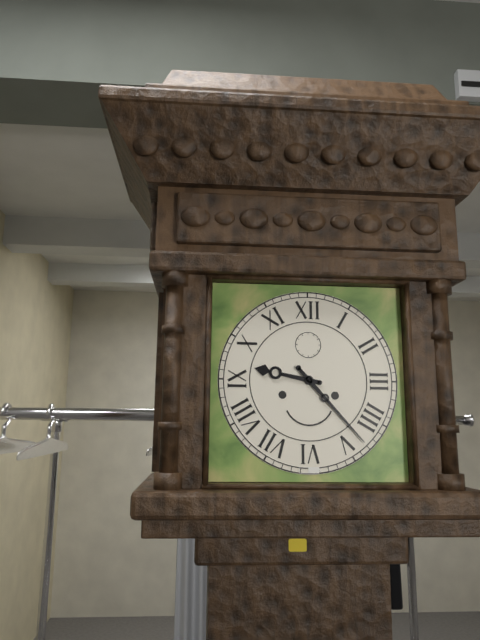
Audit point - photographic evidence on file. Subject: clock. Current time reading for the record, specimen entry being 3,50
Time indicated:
9,23
